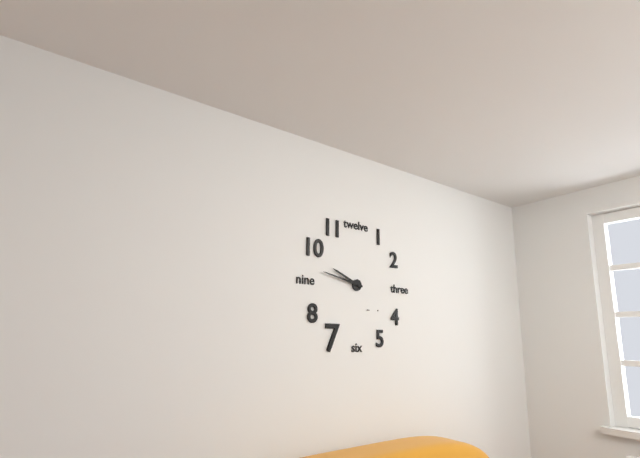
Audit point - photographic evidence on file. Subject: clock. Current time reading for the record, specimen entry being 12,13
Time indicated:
9,47
